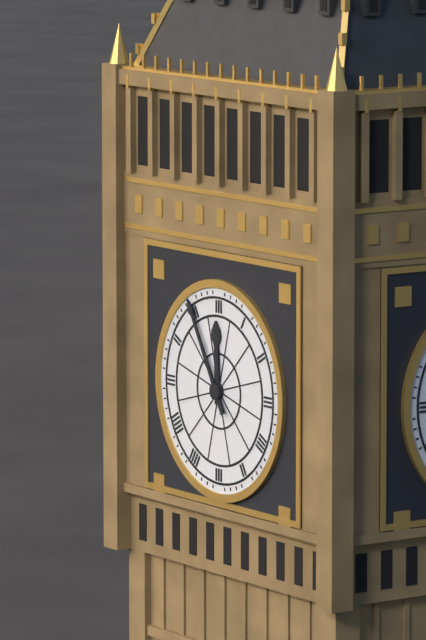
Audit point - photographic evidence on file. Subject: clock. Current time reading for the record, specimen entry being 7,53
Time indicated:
11,55
